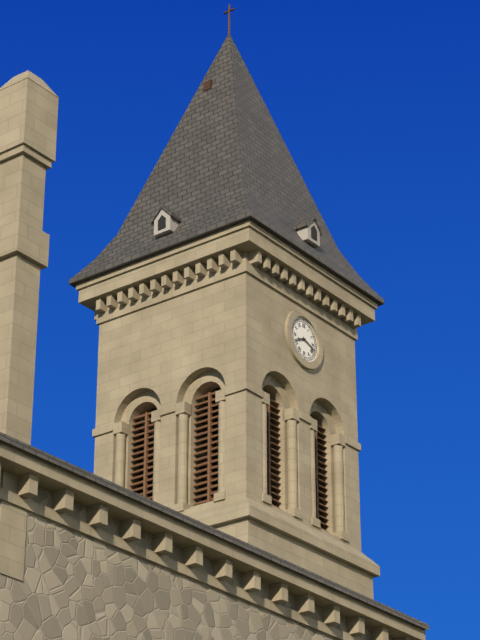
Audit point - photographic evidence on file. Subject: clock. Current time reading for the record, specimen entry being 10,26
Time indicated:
8,18
